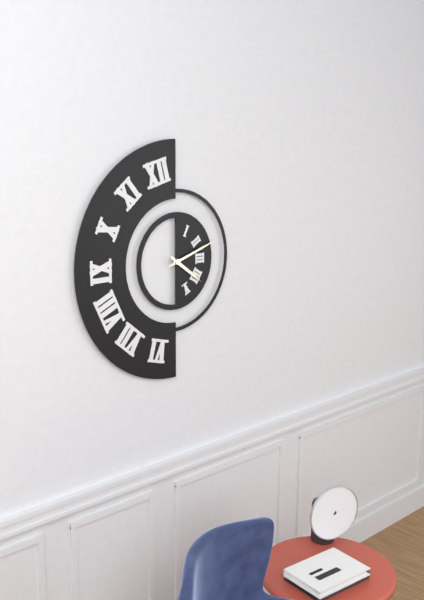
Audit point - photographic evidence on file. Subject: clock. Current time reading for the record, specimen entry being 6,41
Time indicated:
4,12
